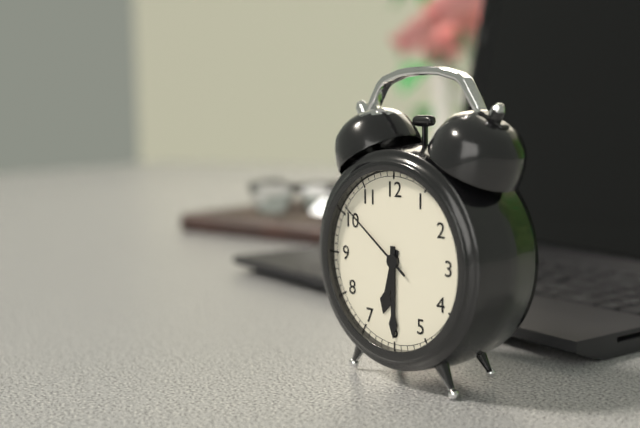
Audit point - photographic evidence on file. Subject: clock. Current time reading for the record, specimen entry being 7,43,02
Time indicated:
6,30,51
